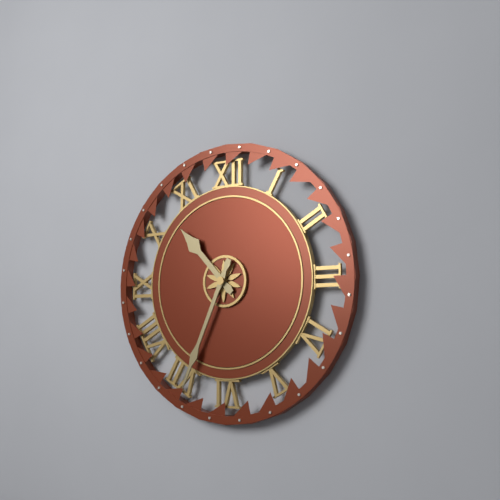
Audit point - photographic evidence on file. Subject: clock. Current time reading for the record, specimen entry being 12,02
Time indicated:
10,34
